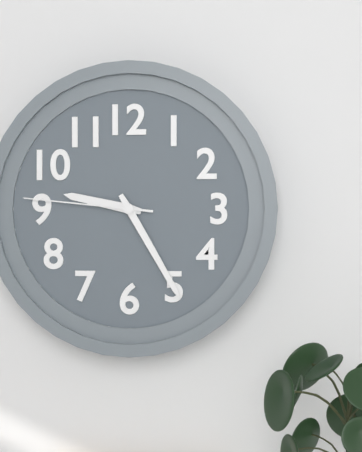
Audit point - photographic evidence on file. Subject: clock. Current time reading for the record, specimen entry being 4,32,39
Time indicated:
9,25,46
